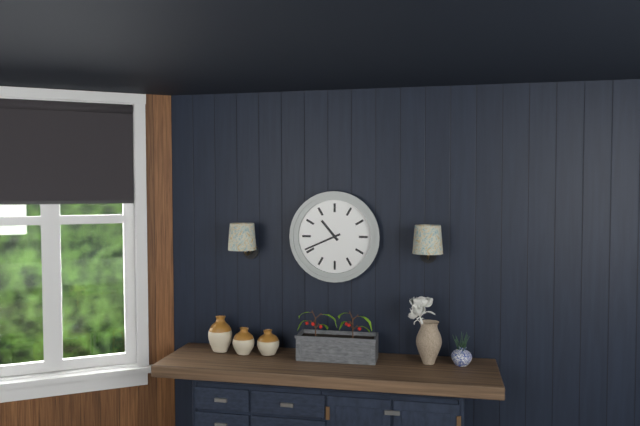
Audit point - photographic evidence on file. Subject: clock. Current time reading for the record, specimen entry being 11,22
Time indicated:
10,41
